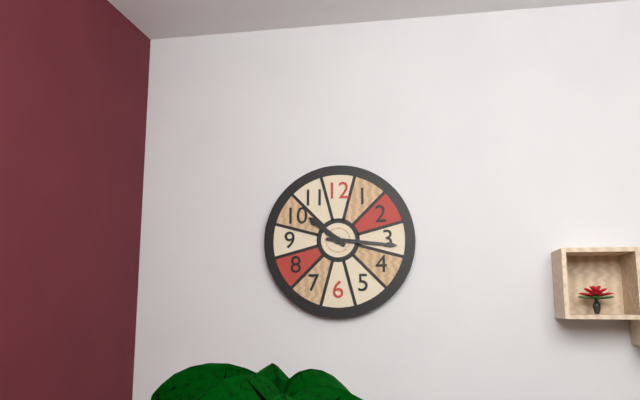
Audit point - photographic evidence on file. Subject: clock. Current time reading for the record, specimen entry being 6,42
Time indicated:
10,16
